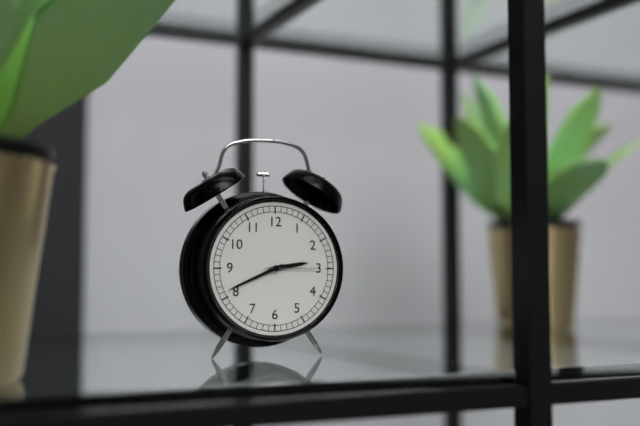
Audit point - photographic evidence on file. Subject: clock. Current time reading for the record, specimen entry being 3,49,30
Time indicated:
2,41,15
